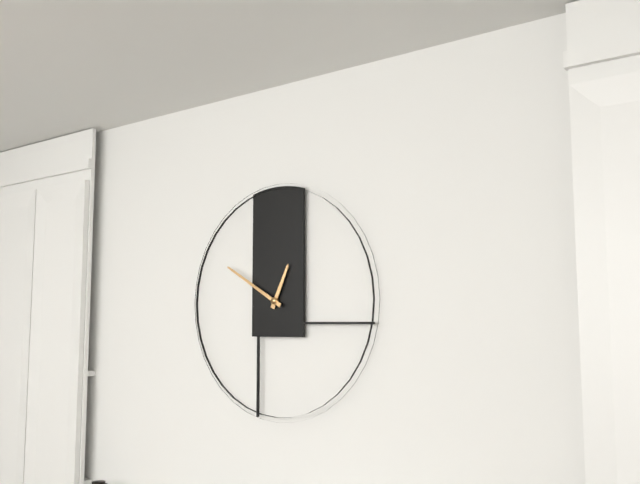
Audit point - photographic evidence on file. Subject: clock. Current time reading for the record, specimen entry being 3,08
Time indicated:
12,50
